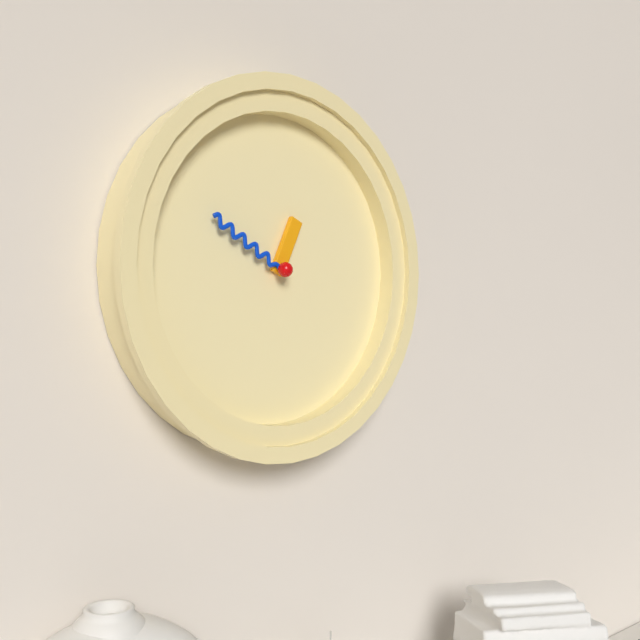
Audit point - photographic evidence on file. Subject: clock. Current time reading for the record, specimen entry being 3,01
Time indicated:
12,50
